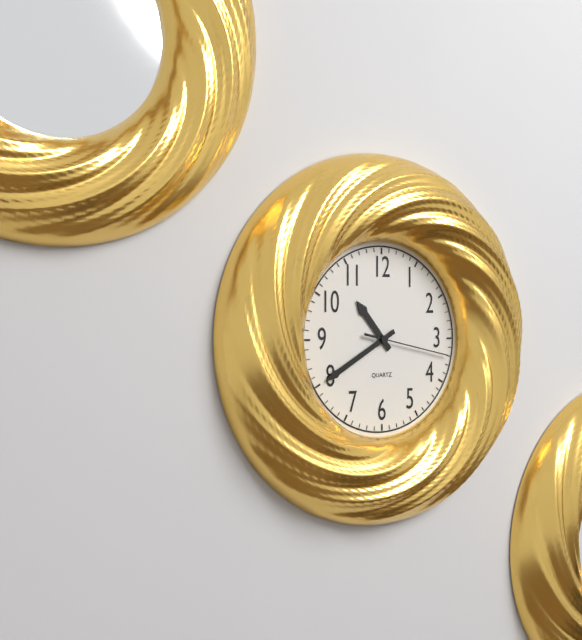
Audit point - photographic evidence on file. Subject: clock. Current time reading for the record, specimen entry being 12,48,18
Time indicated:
10,40,17
